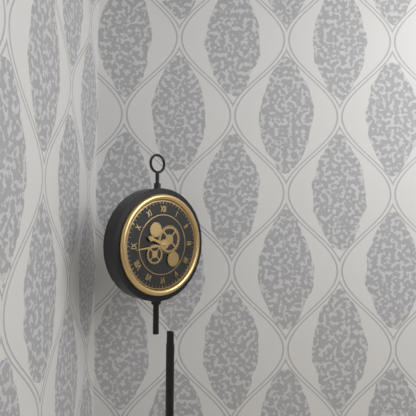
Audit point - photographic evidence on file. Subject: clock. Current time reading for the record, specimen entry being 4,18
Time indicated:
9,44
